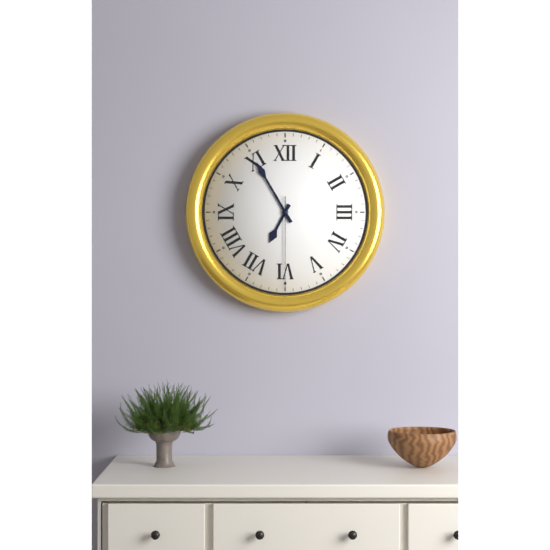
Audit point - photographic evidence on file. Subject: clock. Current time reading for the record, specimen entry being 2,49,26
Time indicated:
6,55,30
